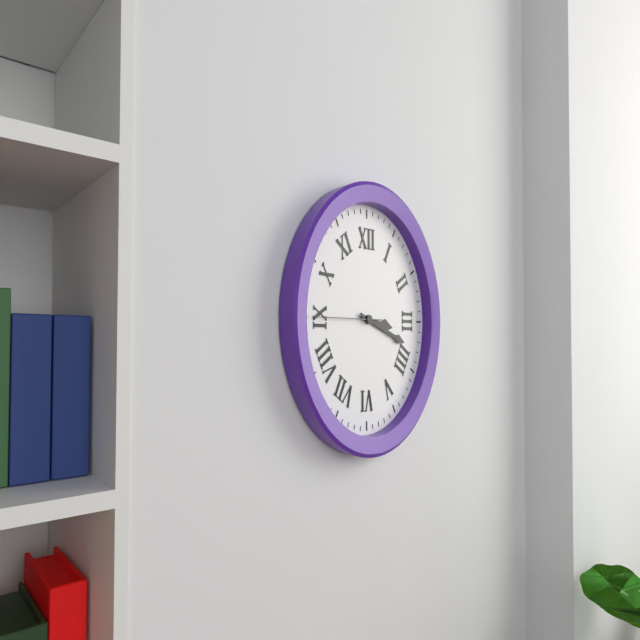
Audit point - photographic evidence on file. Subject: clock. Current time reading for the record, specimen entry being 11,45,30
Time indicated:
3,18,45
